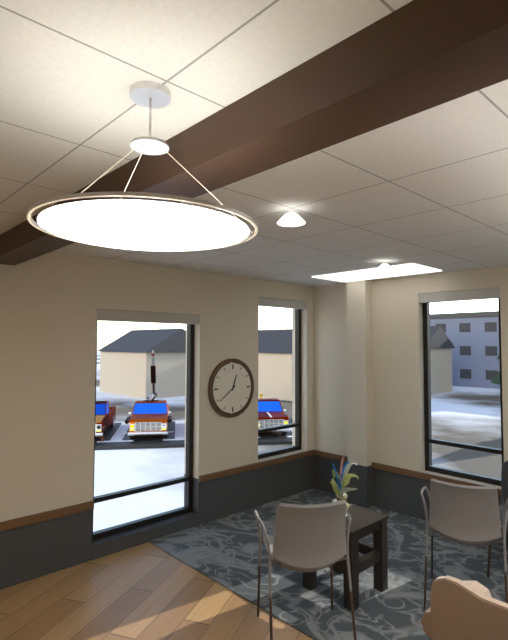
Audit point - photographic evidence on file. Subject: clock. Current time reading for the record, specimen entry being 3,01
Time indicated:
12,39
